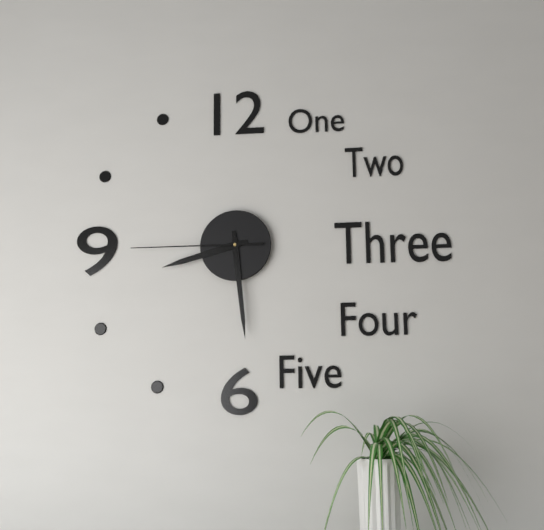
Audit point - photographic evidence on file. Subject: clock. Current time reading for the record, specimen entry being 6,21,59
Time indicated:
8,29,45
